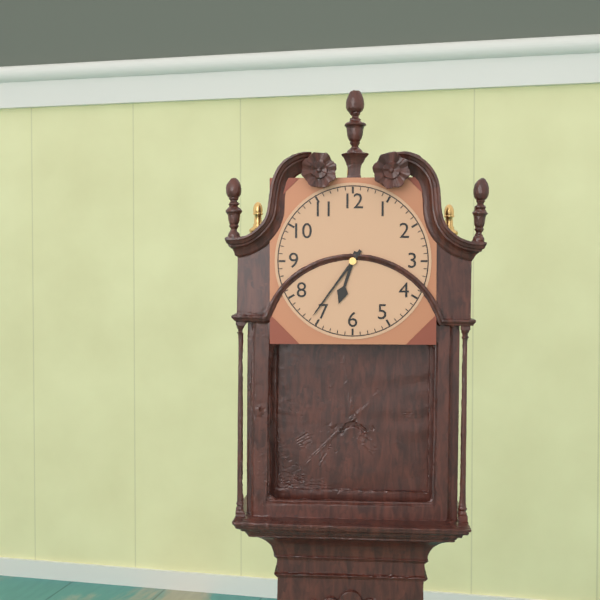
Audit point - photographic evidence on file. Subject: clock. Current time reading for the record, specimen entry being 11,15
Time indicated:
6,36
